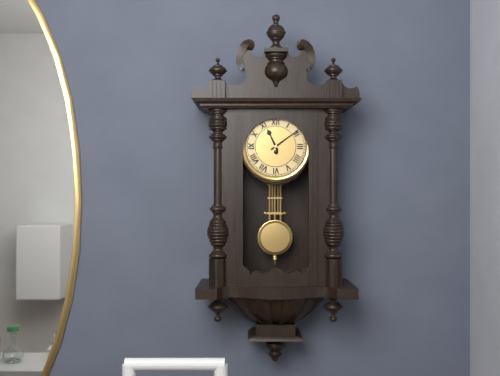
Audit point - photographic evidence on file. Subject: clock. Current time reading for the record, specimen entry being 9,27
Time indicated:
11,09
